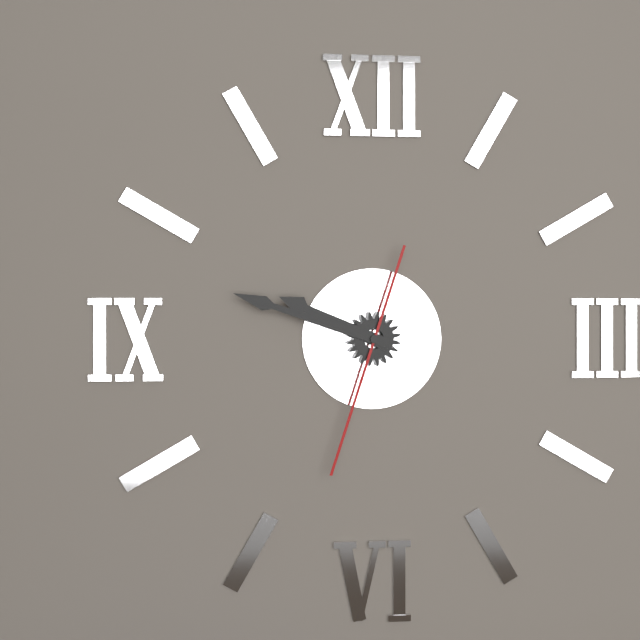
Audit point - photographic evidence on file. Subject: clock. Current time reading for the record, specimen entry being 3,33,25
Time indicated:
9,48,33
